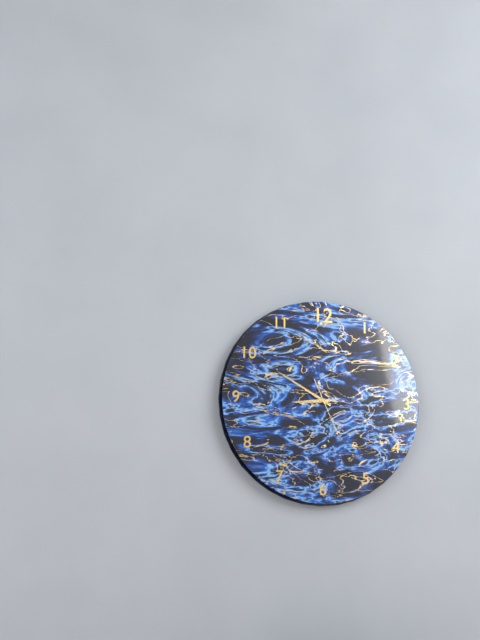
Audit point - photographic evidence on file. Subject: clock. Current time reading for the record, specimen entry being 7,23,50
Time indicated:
8,50,26
